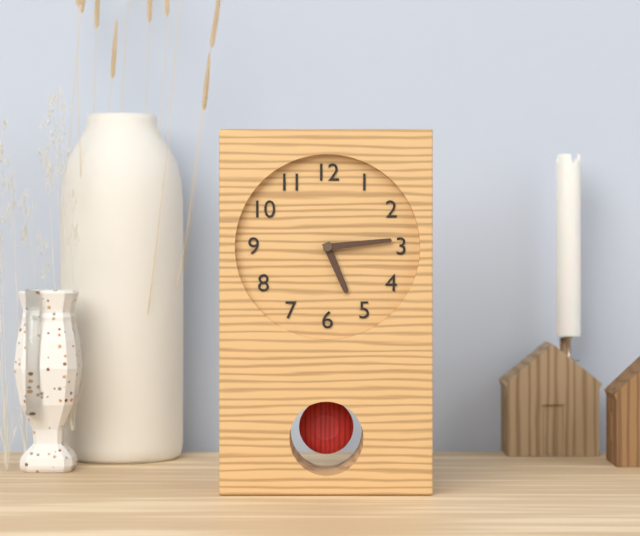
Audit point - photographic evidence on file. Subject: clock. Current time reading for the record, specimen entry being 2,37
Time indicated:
5,14
